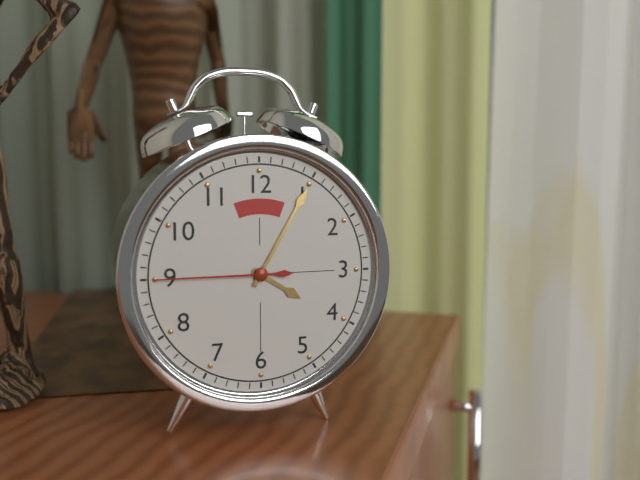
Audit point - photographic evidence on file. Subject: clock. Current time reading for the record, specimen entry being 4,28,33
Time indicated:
4,05,45
